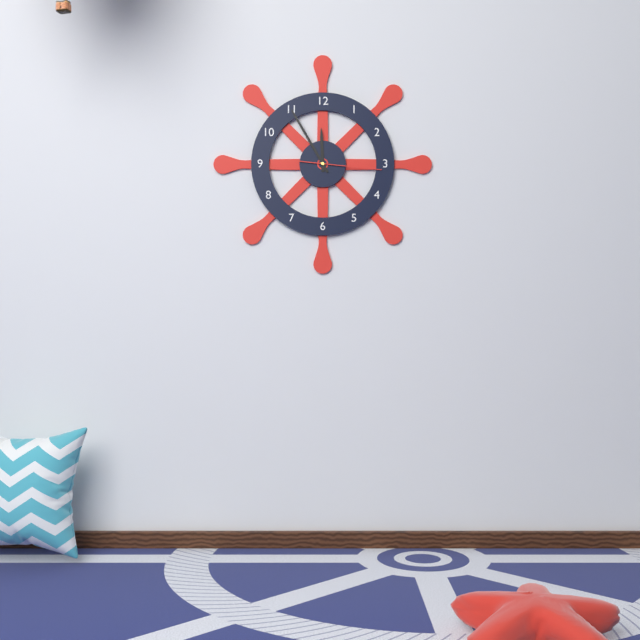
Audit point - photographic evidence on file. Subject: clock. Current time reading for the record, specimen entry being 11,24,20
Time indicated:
11,55,16
